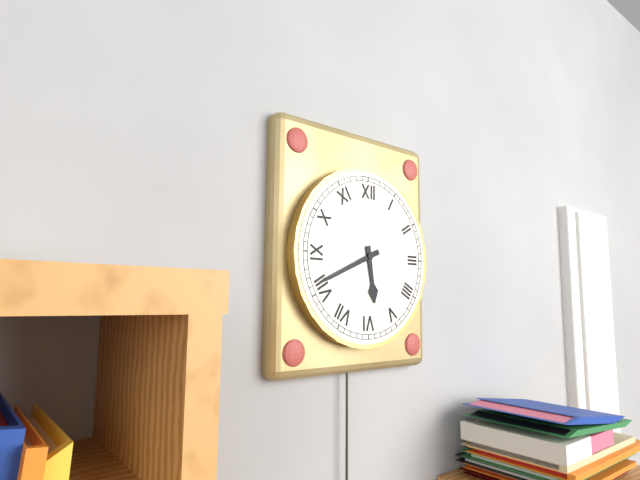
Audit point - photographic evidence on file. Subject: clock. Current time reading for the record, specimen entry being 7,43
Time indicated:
5,41
